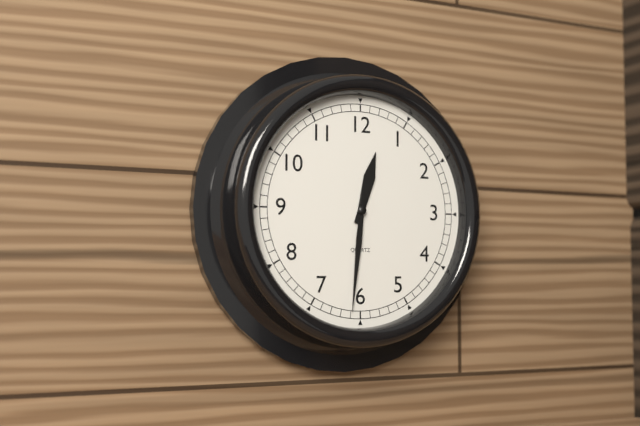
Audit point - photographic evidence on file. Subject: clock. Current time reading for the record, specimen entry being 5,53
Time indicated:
12,31
